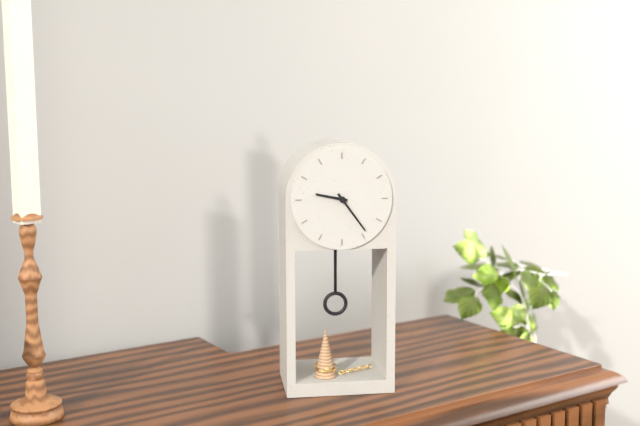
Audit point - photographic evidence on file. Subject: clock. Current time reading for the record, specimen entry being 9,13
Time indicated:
9,24
